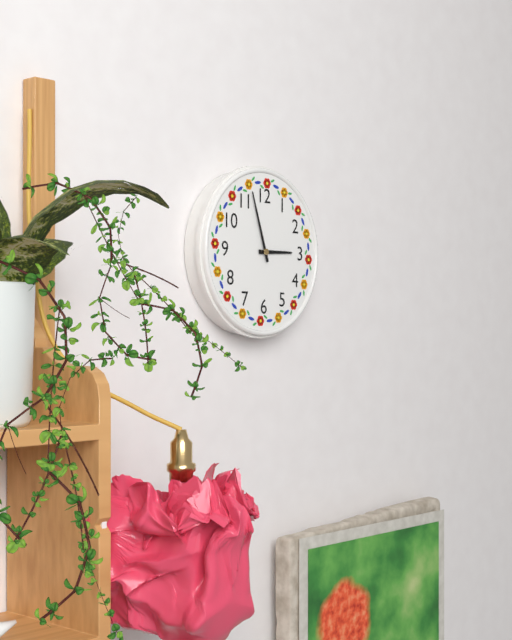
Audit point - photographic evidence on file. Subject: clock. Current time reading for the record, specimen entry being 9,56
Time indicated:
2,57
